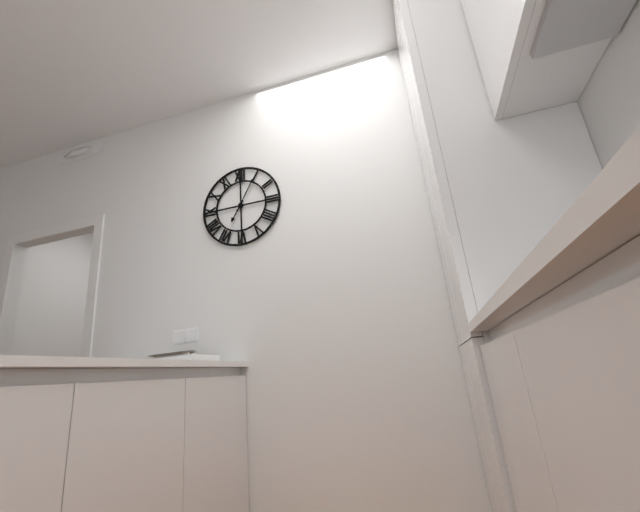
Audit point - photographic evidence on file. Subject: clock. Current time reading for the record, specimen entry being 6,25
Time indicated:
7,05
